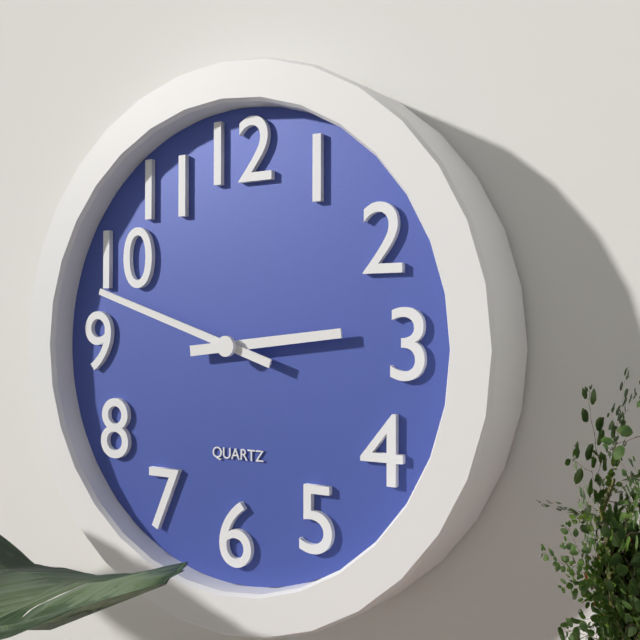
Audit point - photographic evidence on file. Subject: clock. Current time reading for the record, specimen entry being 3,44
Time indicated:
2,48
